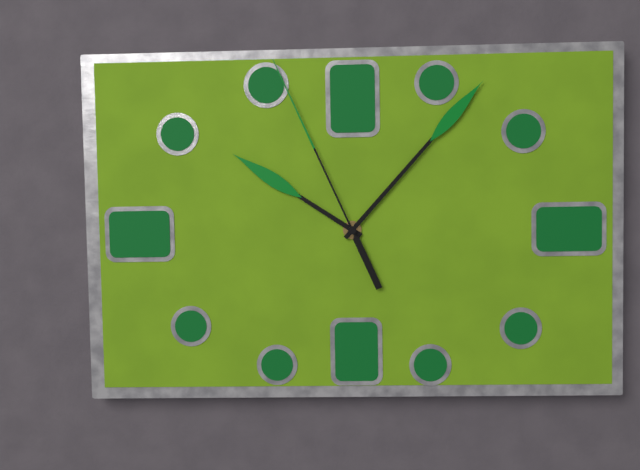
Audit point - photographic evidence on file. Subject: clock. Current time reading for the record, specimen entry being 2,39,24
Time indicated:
10,07,56
